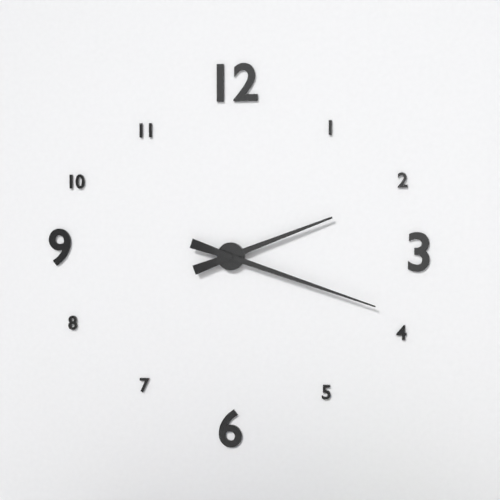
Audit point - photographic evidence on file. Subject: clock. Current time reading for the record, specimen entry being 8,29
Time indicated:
2,18
